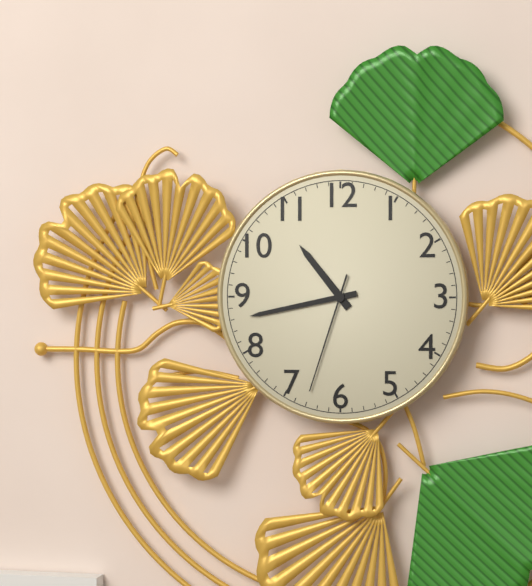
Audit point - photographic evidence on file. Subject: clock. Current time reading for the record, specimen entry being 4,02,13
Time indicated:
10,43,33
